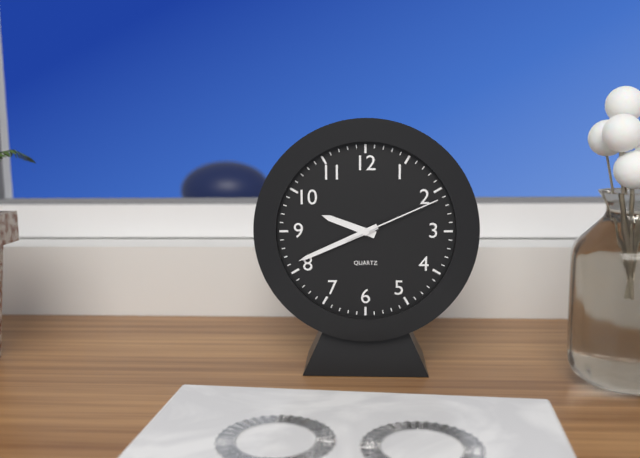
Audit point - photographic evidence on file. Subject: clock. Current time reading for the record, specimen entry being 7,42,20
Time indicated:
9,41,11
